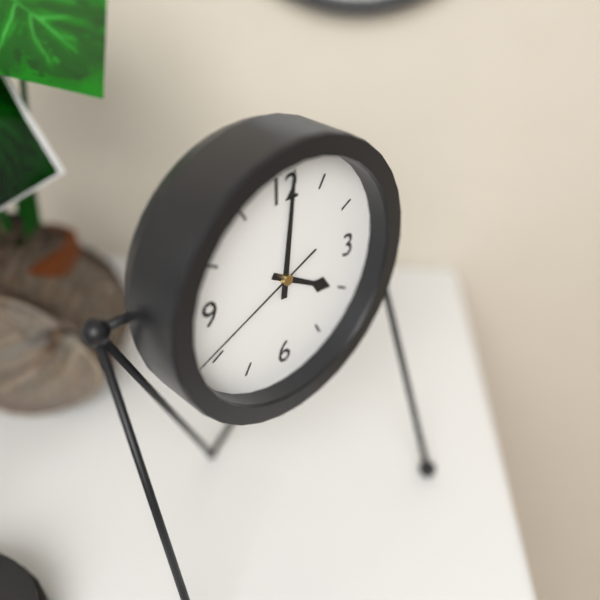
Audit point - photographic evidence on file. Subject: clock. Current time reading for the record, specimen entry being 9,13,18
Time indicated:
4,01,41
